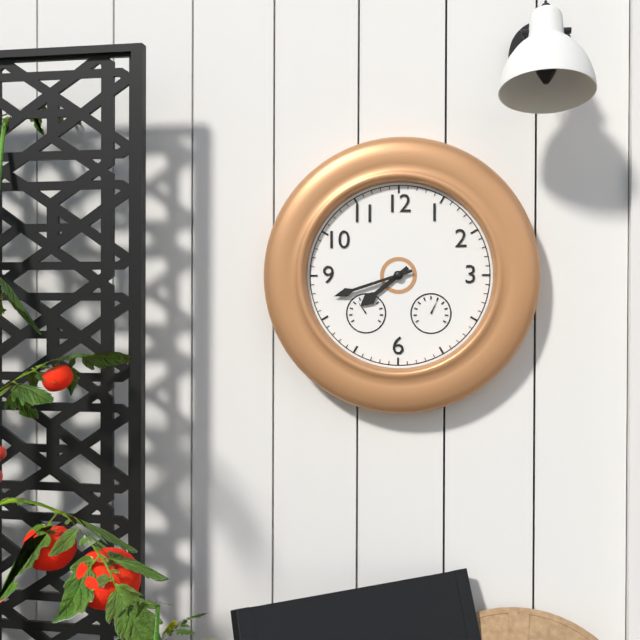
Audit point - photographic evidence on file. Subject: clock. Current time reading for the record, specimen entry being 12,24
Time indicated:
7,42
